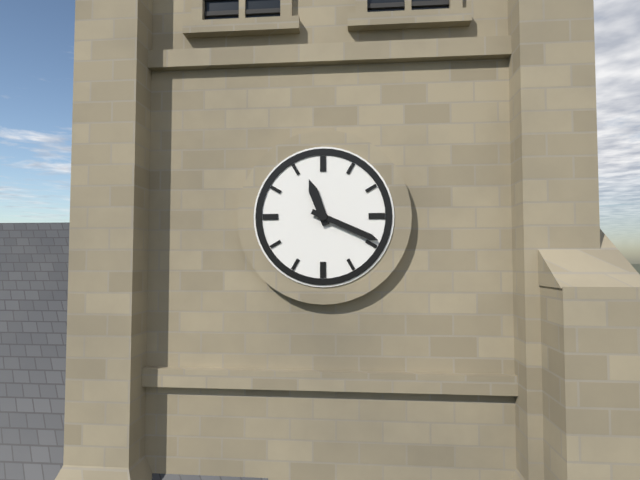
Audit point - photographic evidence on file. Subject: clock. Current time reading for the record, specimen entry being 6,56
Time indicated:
11,19
